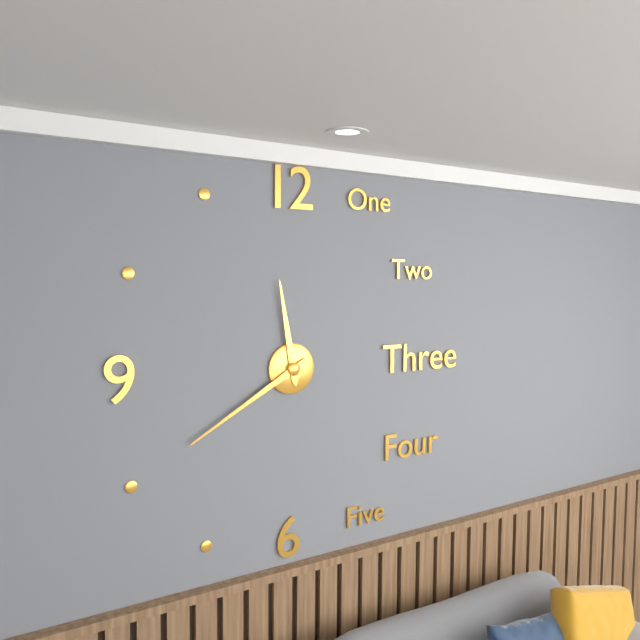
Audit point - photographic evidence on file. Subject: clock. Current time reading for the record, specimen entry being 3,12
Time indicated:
11,40
